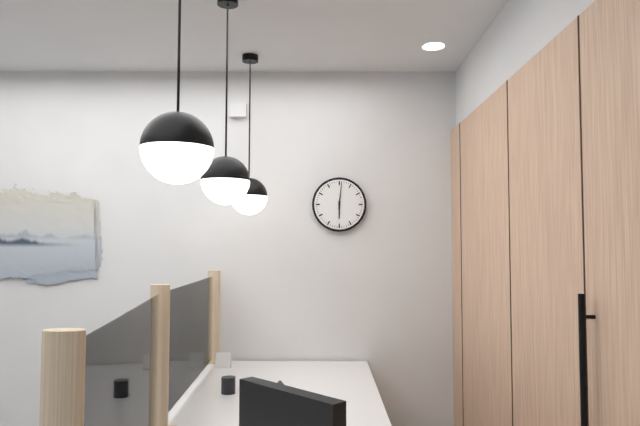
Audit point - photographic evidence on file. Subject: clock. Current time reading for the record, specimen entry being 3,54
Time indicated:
6,01
